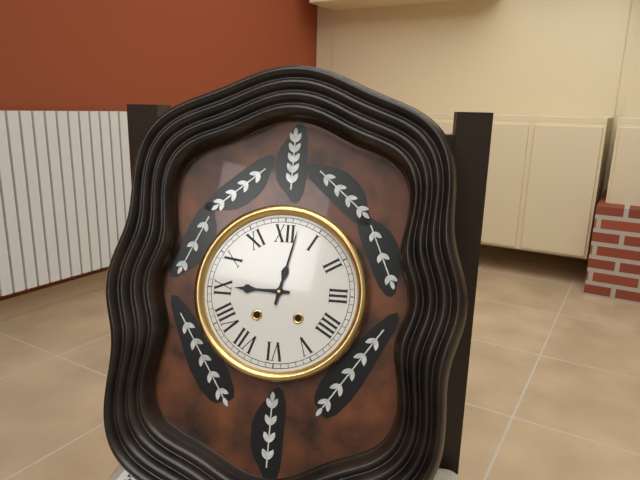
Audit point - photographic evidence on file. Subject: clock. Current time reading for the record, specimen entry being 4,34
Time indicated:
9,02
